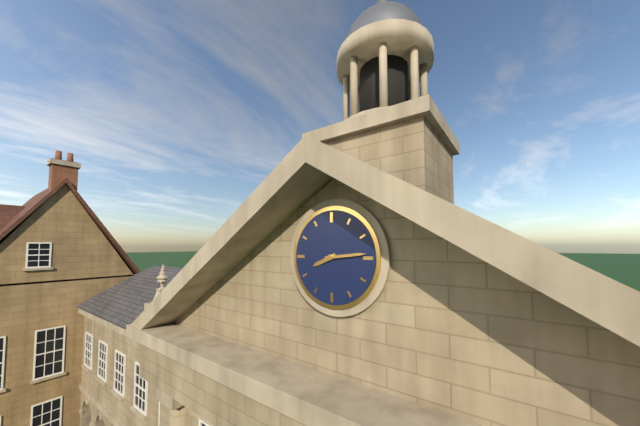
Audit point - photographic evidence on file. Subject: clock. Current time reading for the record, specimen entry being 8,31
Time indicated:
8,14
